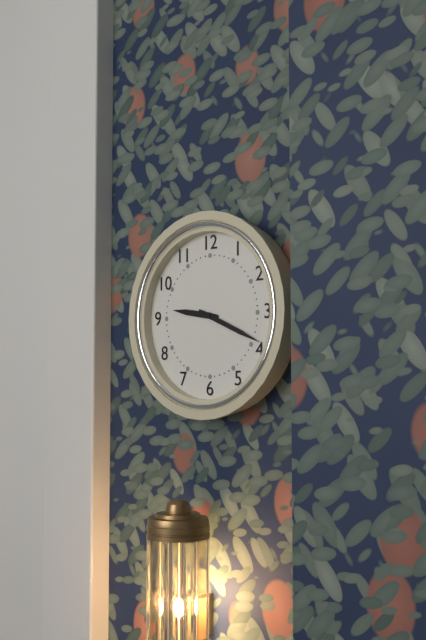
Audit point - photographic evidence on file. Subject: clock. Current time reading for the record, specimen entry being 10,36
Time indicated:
9,19
